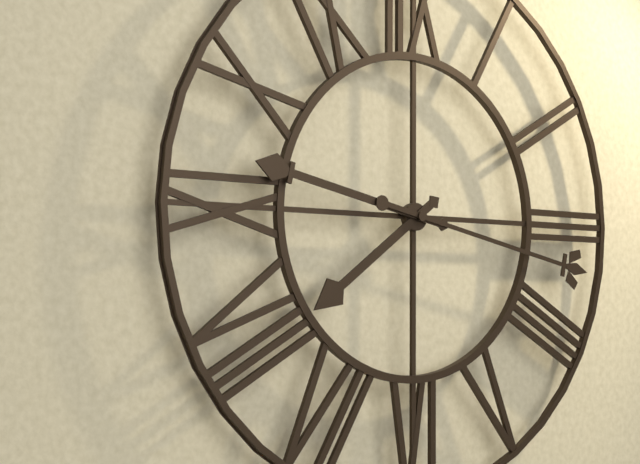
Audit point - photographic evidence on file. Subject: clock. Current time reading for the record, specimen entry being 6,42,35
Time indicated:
7,47,17
